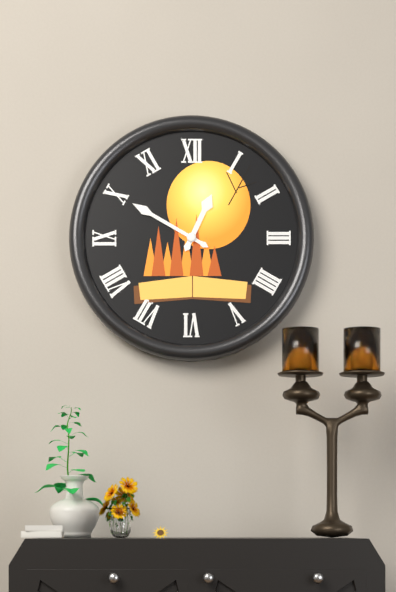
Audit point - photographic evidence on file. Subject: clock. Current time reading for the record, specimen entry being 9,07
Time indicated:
12,50
